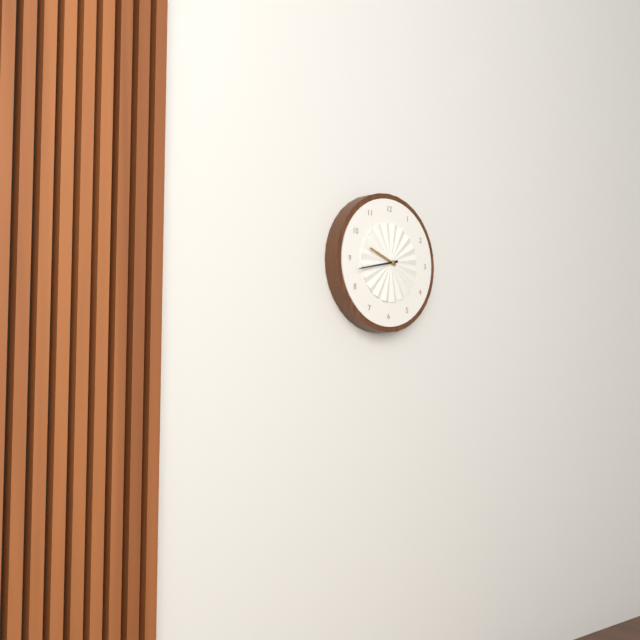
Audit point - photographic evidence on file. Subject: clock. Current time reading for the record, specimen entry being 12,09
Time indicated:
9,43
